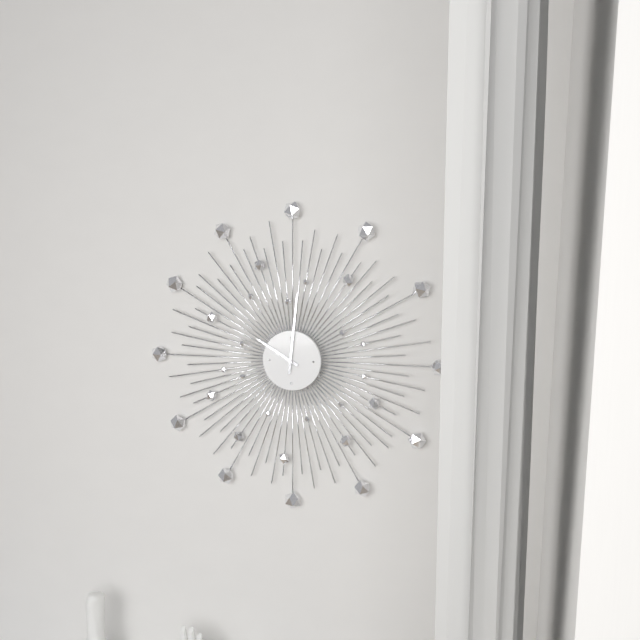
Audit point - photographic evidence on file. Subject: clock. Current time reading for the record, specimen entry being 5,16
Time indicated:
10,01
